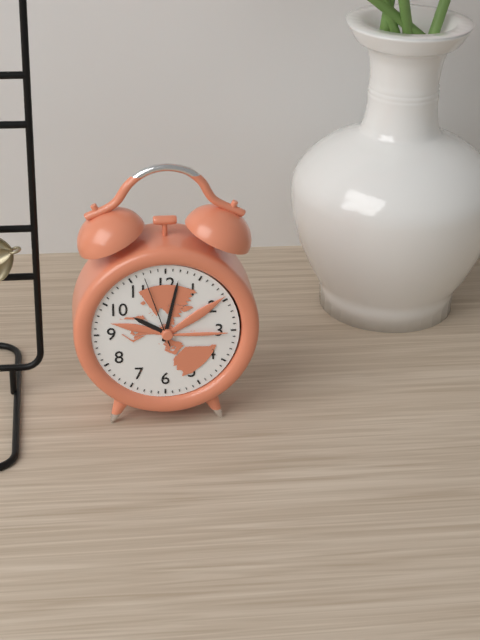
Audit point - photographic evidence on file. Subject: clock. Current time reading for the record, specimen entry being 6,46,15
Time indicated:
10,02,57
